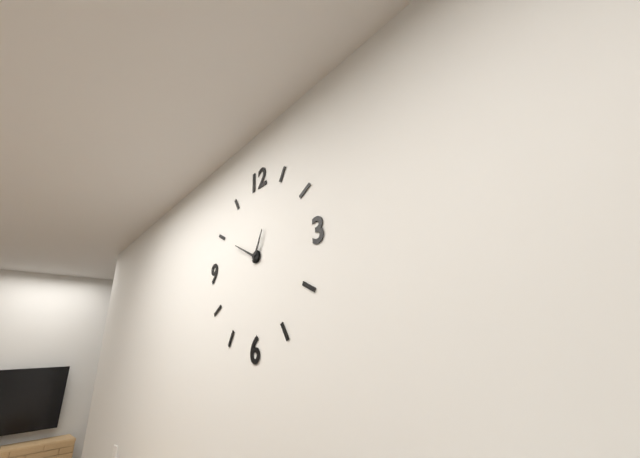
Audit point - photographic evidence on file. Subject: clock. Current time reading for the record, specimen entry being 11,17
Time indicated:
12,50
